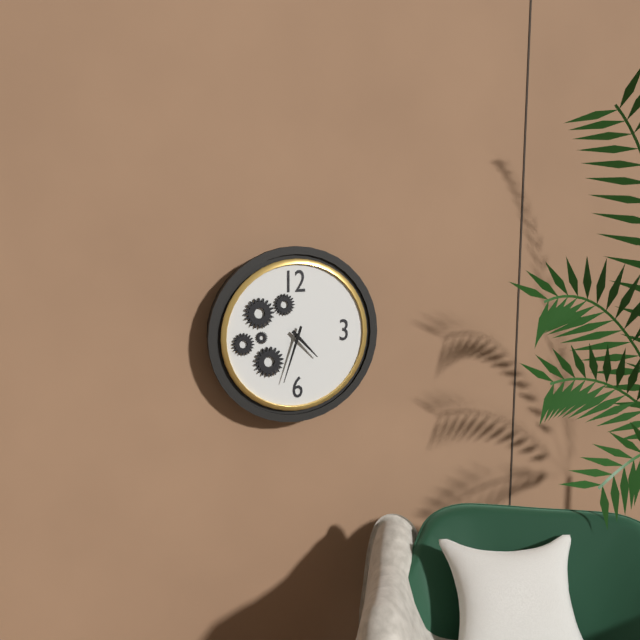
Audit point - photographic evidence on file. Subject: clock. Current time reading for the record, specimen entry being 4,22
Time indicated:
4,33
